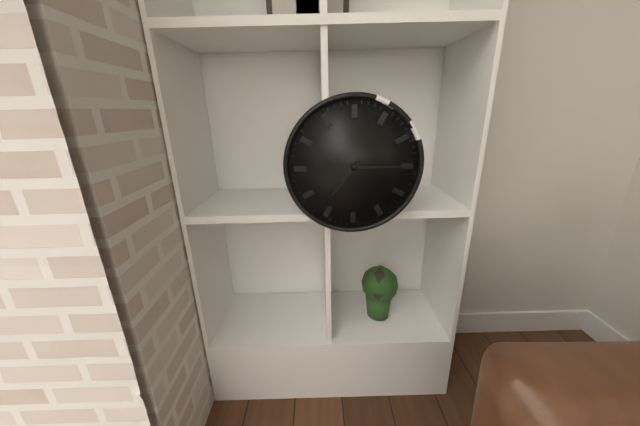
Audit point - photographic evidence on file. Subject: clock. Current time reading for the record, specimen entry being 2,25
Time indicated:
7,15
